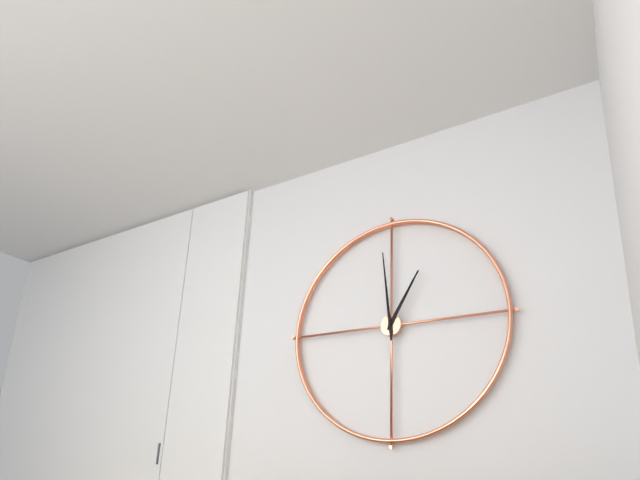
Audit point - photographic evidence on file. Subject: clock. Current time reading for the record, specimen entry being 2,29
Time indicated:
12,59
